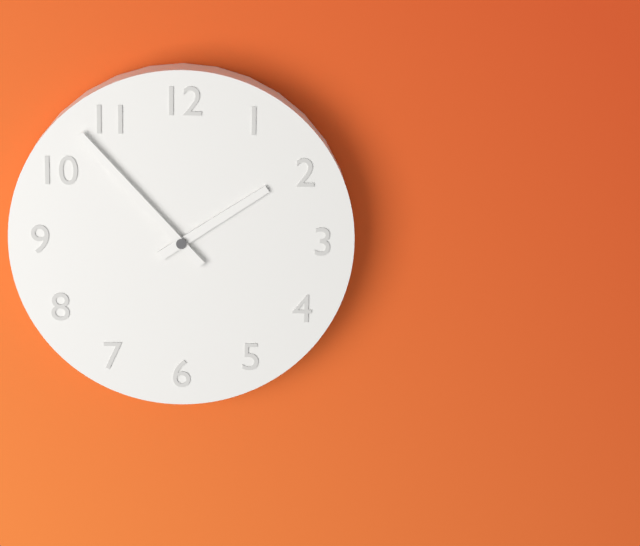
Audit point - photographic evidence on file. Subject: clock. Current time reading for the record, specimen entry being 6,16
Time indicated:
1,53
